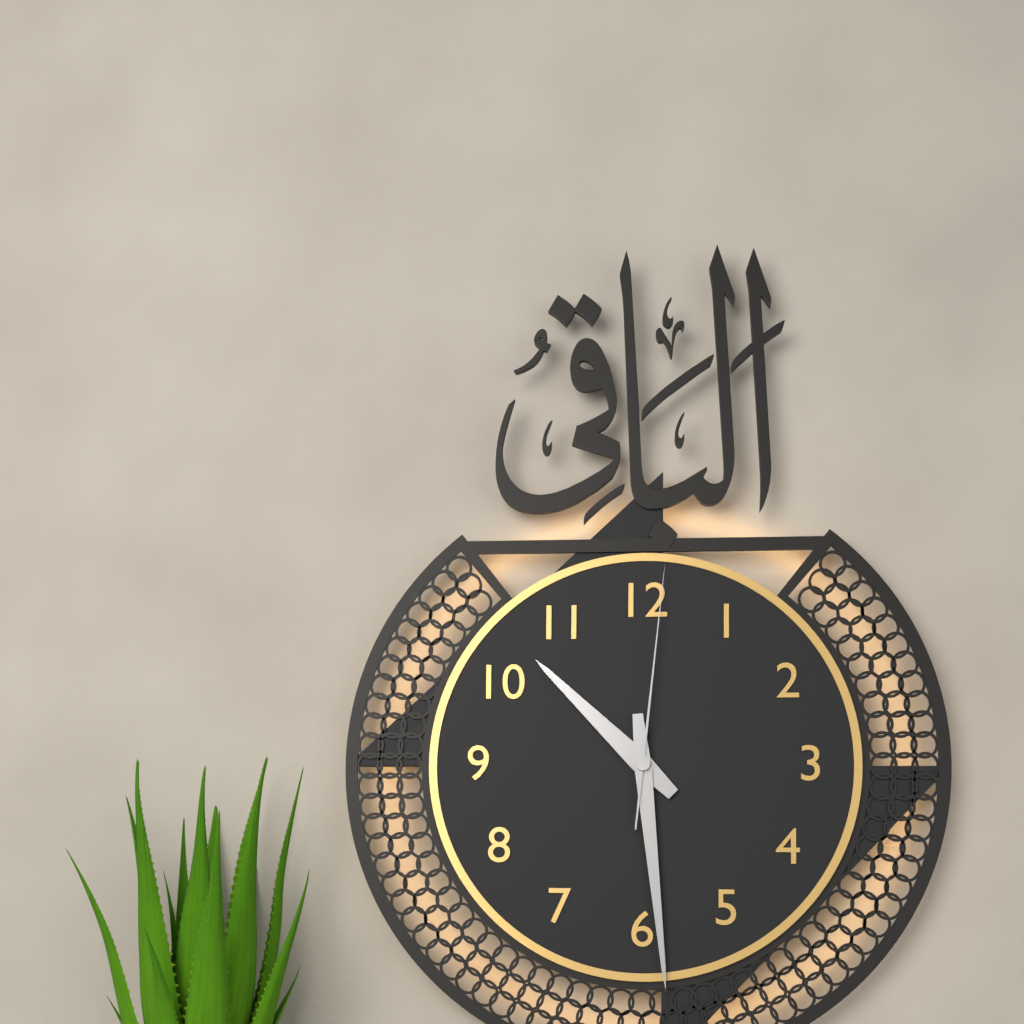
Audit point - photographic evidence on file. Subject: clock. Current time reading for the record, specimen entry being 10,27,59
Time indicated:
10,29,01
